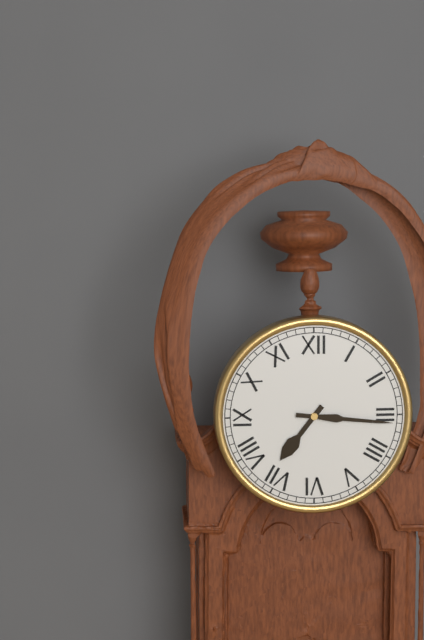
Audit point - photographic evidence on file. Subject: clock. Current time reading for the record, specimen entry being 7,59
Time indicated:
7,16
